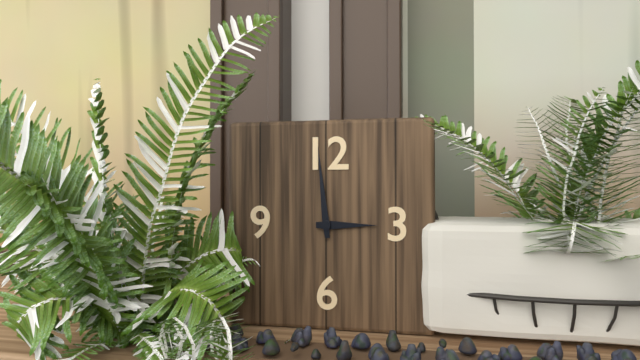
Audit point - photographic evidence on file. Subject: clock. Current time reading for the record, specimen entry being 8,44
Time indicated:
2,59
